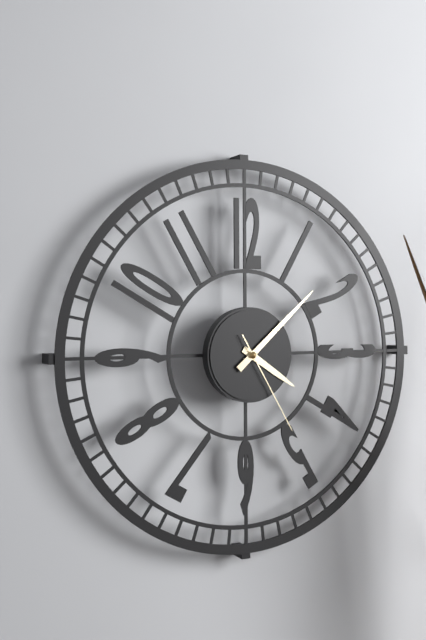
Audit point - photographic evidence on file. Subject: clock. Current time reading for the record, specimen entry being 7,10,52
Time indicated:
4,08,25
